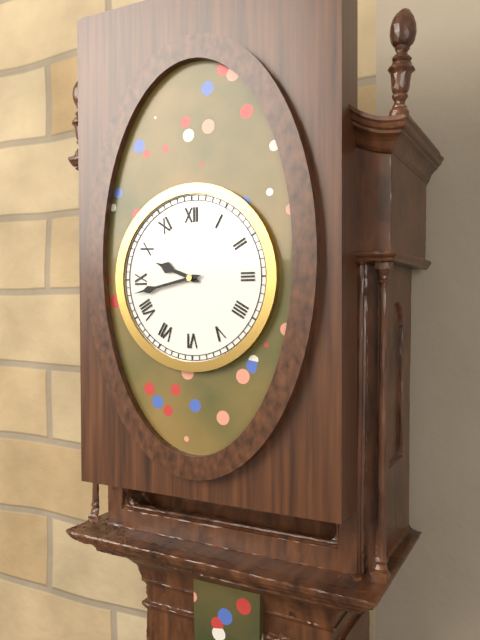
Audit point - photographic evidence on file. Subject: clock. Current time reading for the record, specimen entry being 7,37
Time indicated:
9,43
